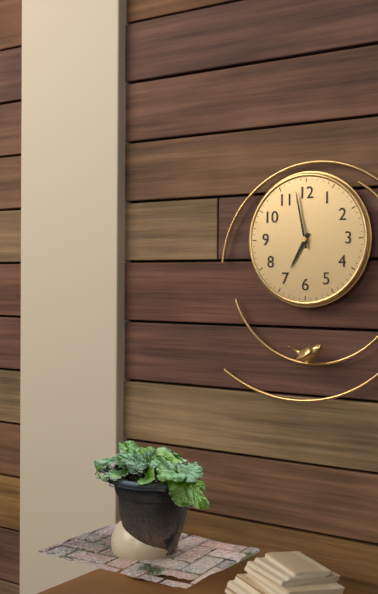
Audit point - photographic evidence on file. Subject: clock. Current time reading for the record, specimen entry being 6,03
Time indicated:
6,58
